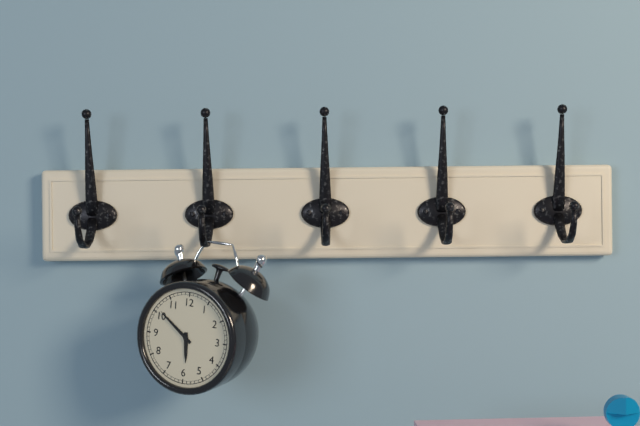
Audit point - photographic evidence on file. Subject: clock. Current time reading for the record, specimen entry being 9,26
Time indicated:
5,51
